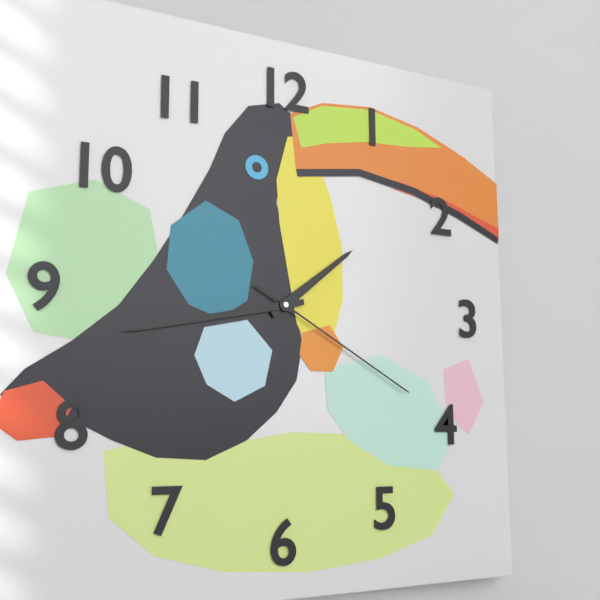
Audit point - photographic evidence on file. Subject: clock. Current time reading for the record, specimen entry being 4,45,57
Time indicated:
1,43,20
